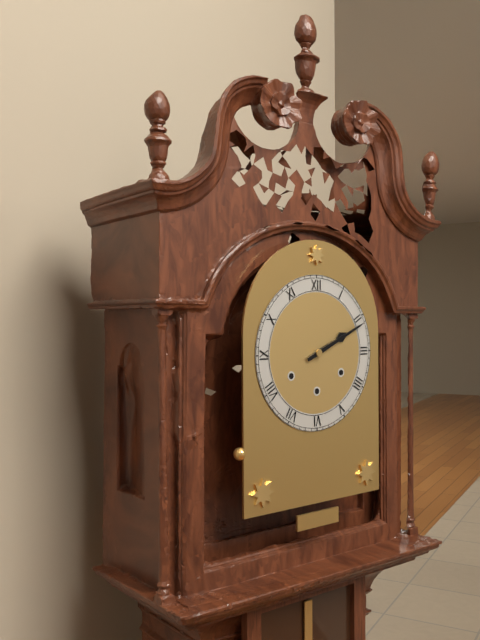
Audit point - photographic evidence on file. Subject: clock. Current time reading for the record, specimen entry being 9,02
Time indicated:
2,11
